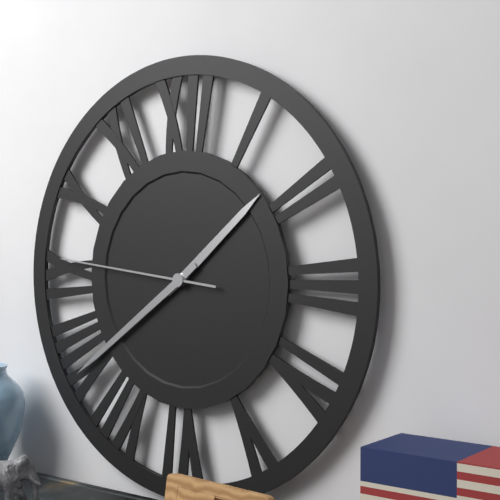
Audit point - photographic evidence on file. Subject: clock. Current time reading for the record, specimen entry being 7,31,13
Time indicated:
1,39,46
